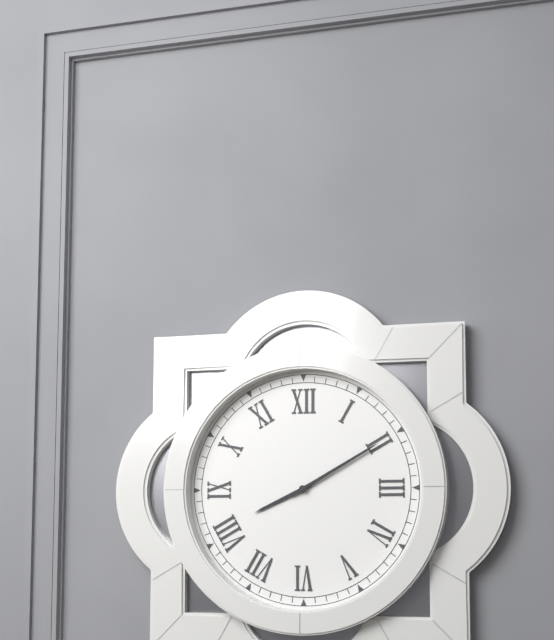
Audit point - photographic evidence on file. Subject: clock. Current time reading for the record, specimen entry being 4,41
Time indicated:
8,10
